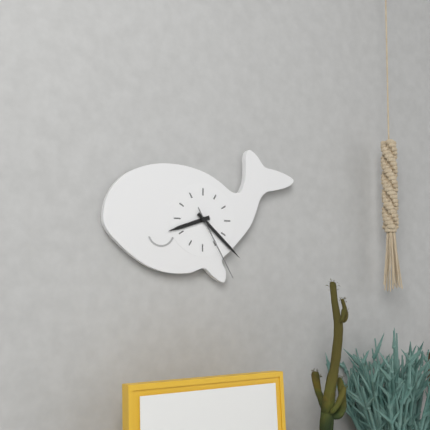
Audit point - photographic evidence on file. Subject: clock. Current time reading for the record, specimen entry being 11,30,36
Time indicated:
8,22,25
